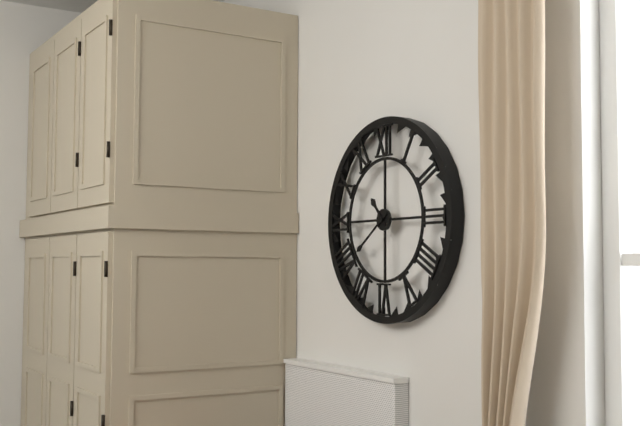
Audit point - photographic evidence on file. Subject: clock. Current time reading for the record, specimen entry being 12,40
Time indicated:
10,39
